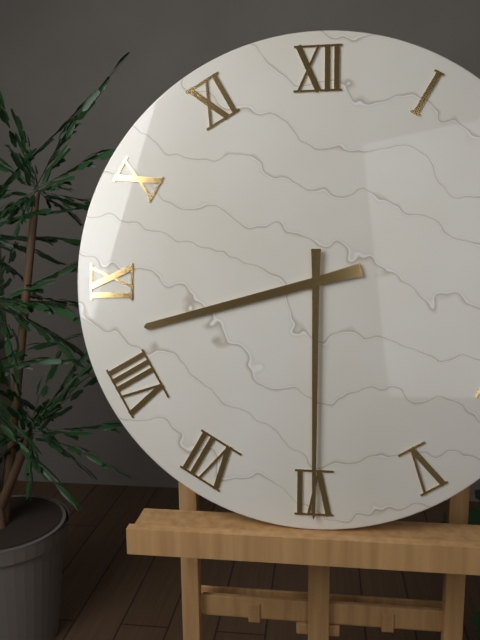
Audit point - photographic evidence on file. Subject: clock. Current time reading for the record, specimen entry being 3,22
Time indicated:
8,30
